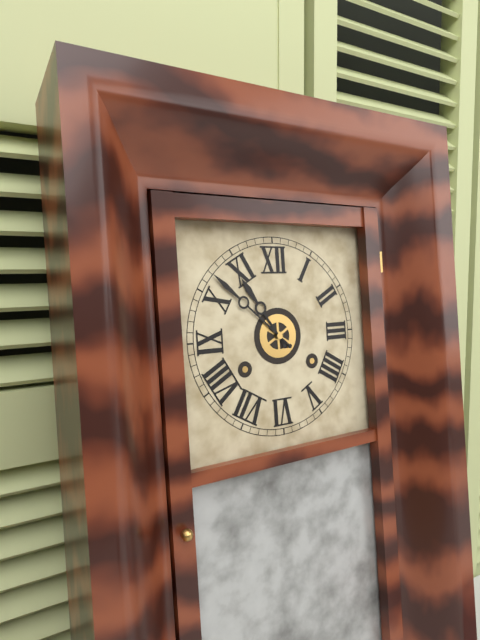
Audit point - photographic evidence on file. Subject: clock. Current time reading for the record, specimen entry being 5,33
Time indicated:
10,52
